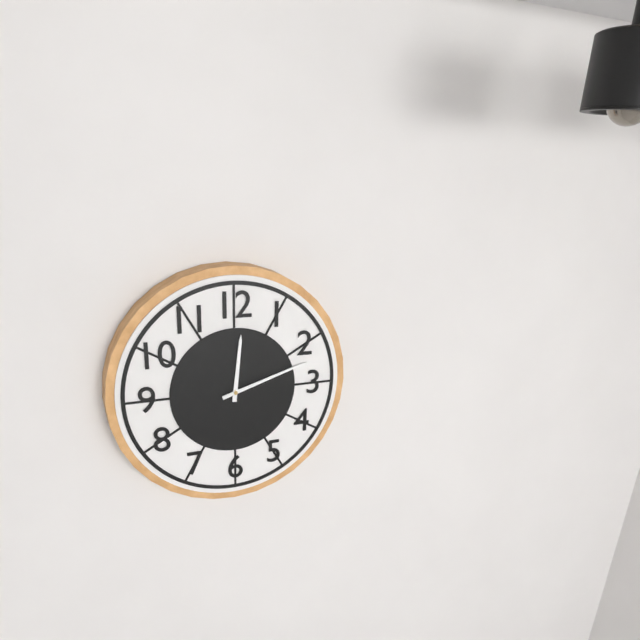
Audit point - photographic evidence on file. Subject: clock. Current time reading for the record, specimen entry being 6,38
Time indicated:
12,12
